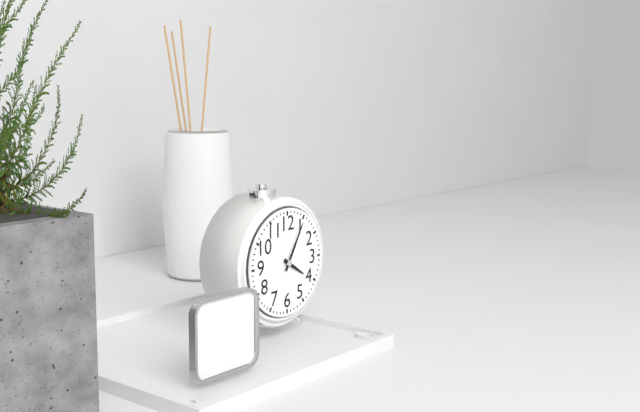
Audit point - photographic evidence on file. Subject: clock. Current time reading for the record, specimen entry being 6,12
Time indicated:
4,05
